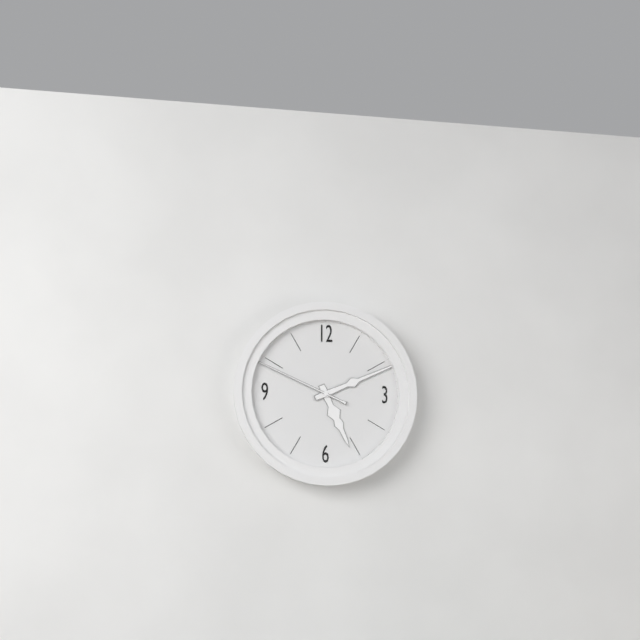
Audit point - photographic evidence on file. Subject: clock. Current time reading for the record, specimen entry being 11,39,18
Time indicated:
5,11,49
